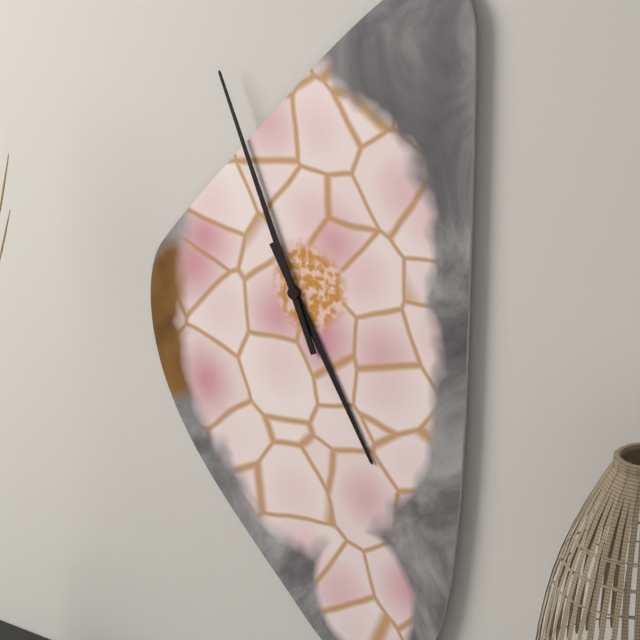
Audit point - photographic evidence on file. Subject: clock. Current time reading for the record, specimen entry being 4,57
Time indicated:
4,56
